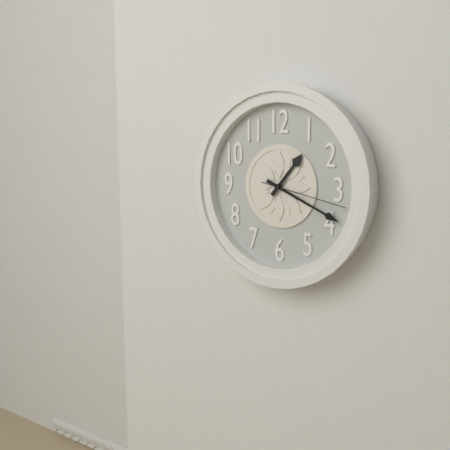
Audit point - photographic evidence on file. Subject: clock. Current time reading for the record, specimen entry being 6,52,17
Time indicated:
1,19,17
